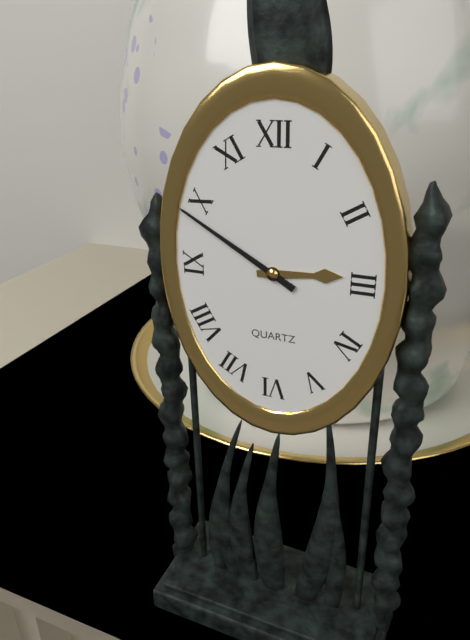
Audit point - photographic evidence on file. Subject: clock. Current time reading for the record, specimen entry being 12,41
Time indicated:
2,50
